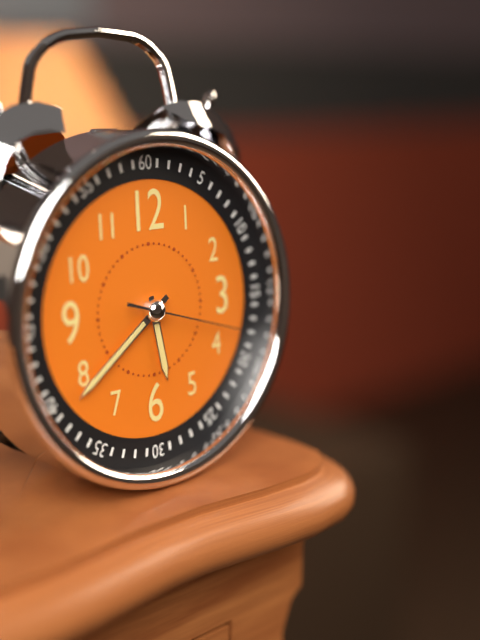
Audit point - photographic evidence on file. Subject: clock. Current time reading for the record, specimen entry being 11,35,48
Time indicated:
5,39,18
